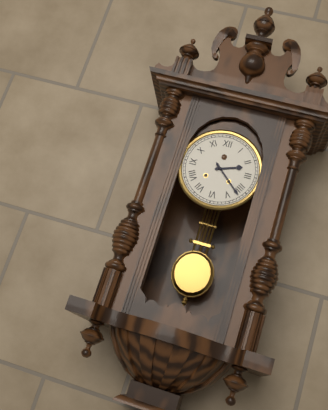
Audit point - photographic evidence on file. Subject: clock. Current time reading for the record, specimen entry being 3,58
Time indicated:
2,22
